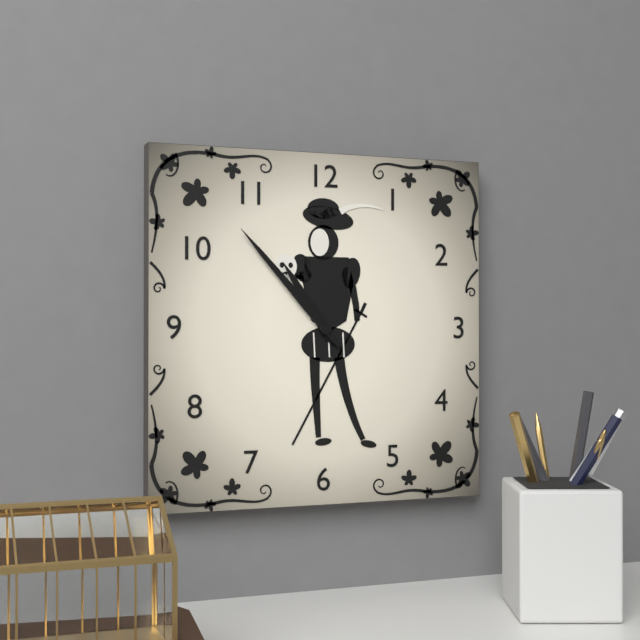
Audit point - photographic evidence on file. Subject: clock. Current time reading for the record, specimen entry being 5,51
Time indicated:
10,53
